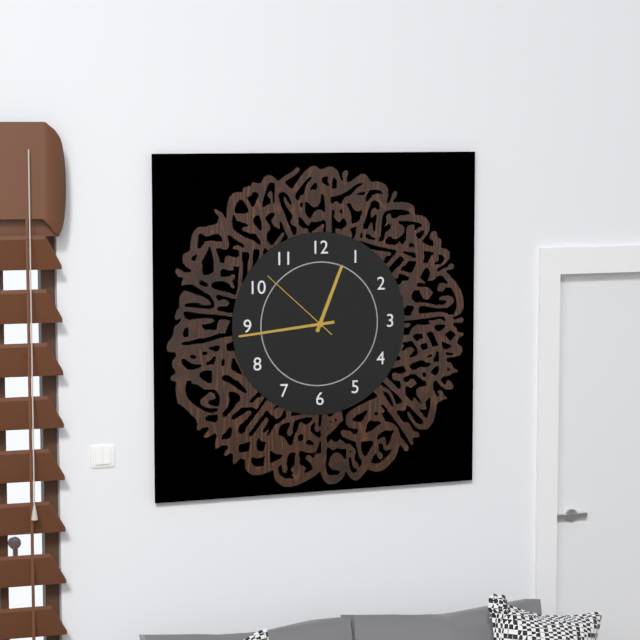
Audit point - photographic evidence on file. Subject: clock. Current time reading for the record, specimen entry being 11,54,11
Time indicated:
12,44,52
